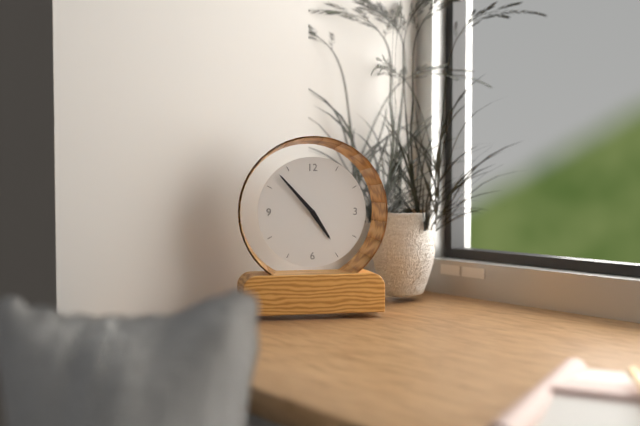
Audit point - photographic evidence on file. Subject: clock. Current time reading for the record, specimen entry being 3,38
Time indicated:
4,53
